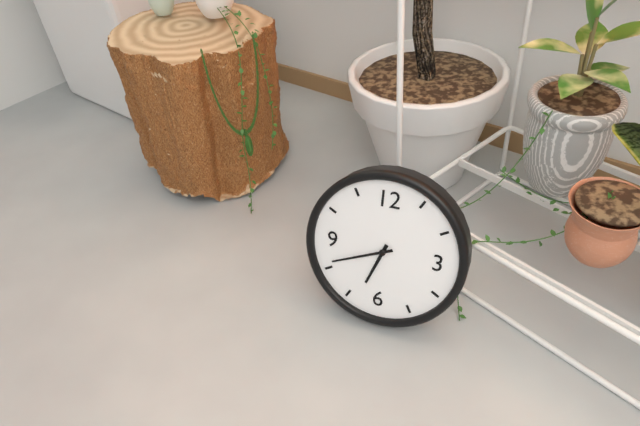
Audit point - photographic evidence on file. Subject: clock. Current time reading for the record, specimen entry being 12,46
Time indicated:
6,41
